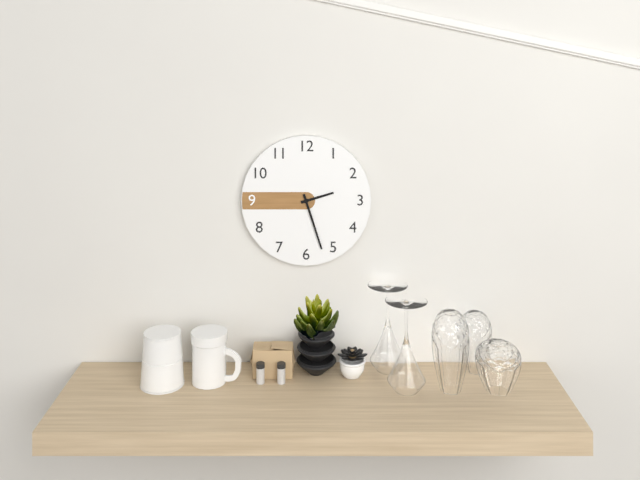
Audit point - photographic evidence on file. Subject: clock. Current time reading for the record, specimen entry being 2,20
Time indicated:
2,27
